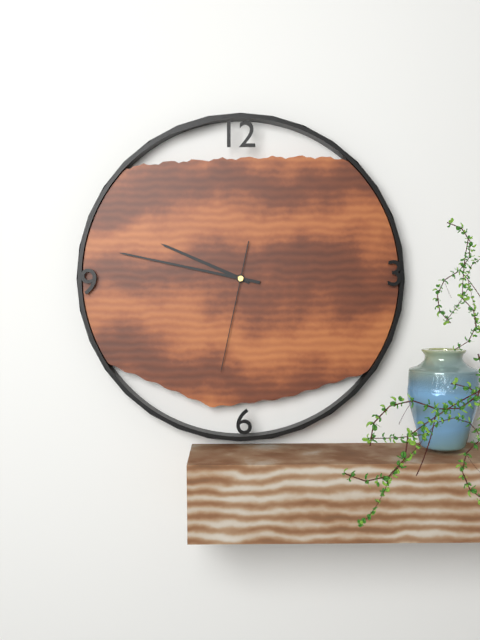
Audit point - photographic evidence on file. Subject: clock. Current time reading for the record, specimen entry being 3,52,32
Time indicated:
9,47,32
